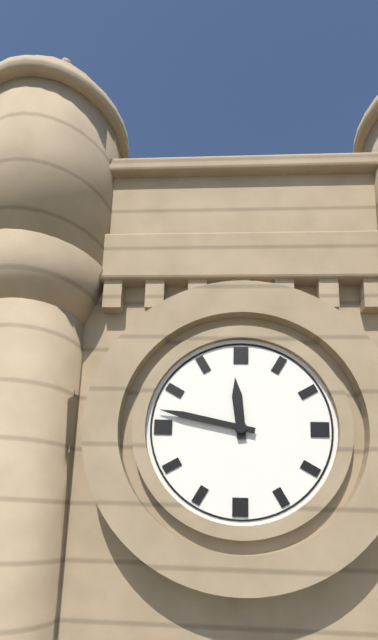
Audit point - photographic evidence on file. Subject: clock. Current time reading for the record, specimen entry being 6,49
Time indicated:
11,47
